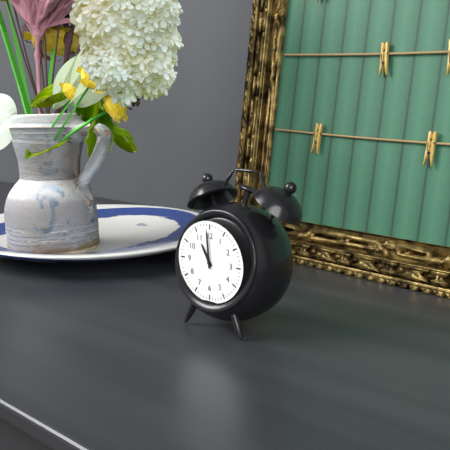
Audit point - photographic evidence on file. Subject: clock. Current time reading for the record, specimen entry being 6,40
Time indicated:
10,59
